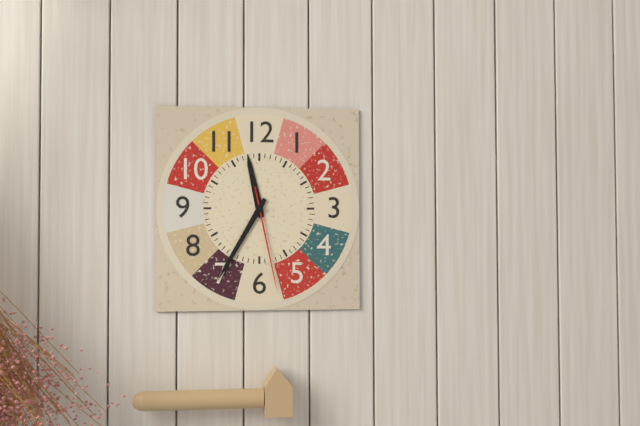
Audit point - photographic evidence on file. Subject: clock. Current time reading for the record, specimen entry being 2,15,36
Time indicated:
11,35,28
